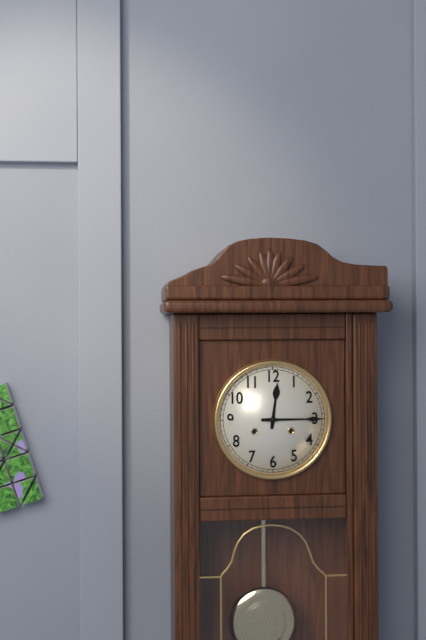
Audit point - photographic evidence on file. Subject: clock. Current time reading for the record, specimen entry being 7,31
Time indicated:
12,15
